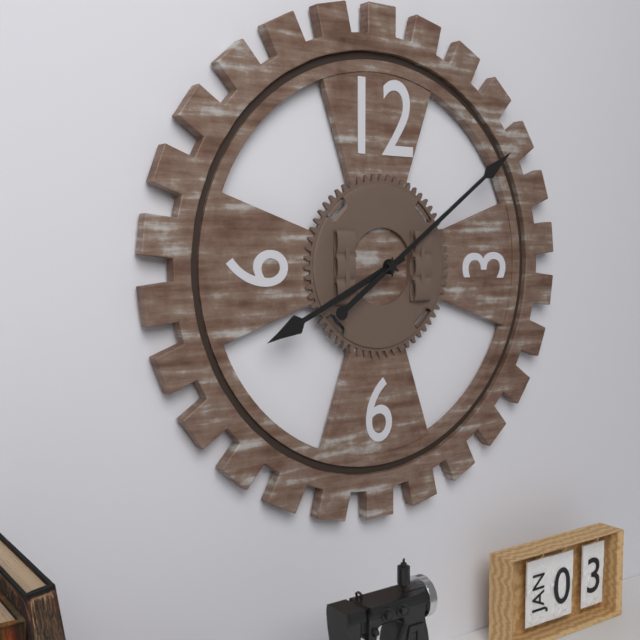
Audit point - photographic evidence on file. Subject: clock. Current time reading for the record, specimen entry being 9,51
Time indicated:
8,09
